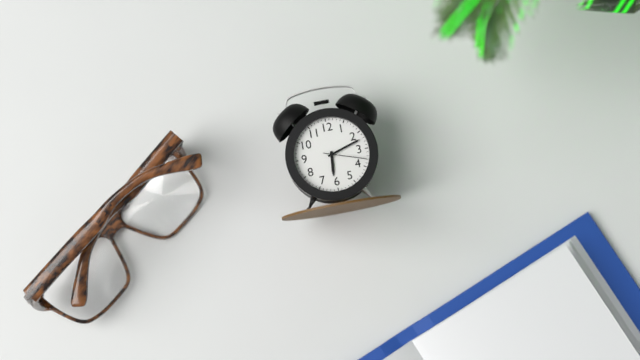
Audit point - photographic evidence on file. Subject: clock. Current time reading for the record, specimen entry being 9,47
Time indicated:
6,12
